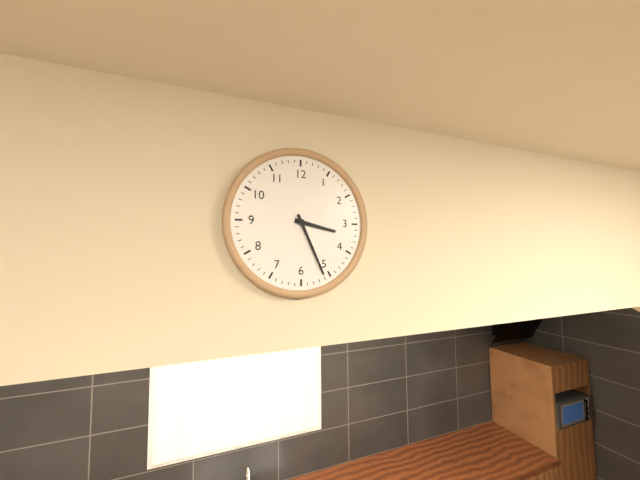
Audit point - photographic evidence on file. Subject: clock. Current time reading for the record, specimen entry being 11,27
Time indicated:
3,26
